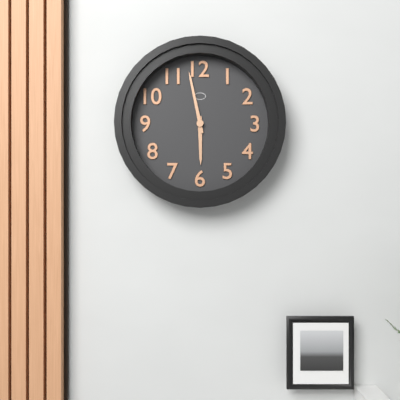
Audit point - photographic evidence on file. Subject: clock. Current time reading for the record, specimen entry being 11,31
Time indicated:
5,58
